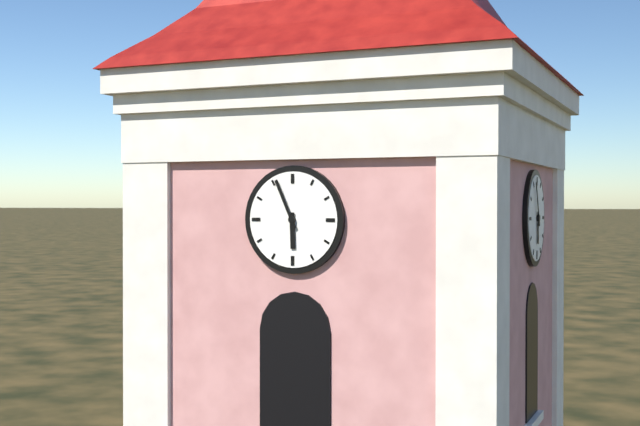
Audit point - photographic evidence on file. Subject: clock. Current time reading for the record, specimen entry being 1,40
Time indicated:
5,56
